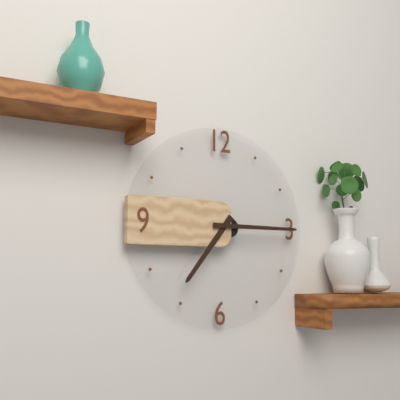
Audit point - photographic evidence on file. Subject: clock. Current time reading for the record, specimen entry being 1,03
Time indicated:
7,15
